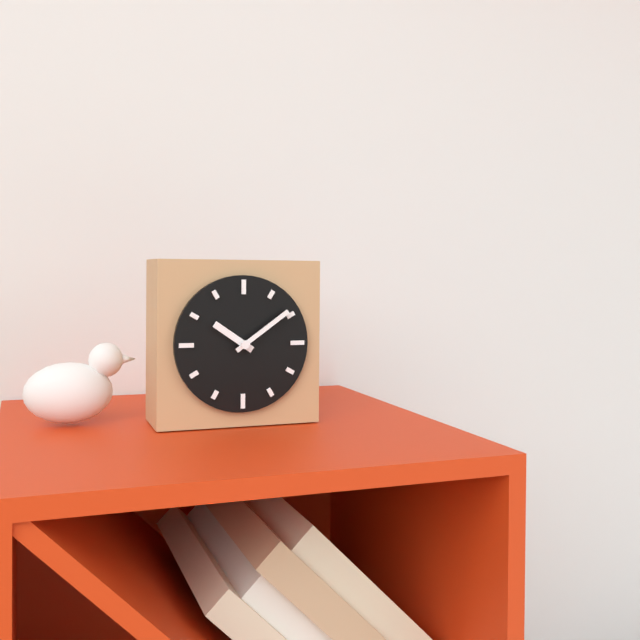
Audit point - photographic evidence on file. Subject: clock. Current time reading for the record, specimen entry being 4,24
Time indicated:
10,09
